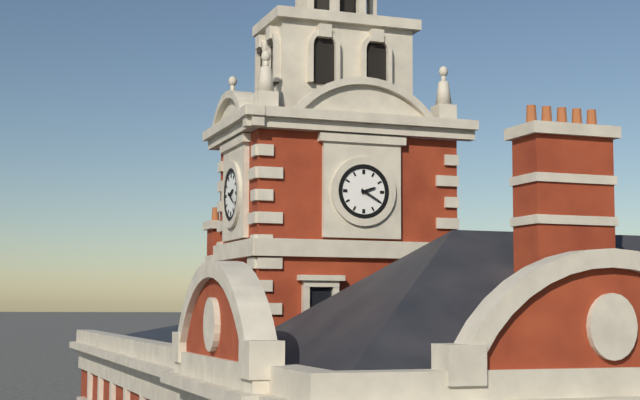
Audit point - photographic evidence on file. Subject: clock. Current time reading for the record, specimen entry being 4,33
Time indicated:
2,20
